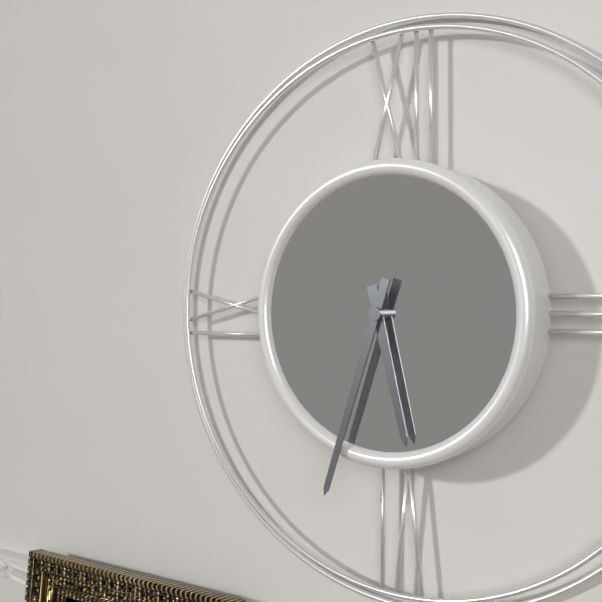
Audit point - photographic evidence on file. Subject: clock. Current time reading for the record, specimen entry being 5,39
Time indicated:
5,33
